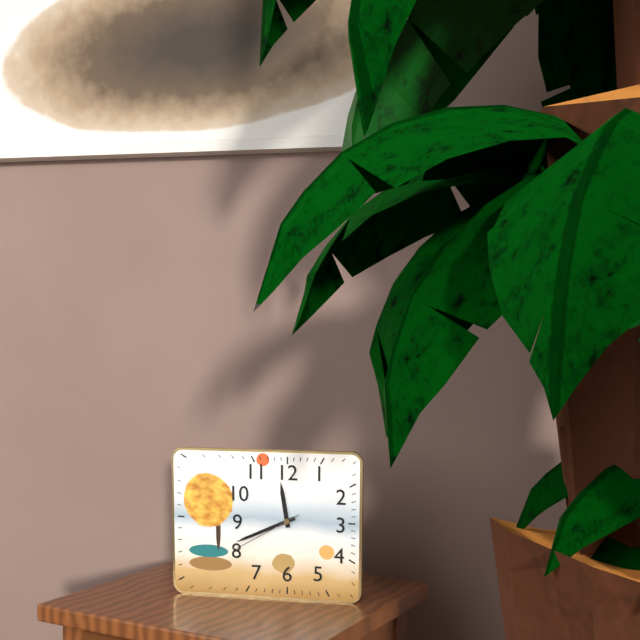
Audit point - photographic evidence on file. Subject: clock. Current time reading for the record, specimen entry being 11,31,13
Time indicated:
11,41,40
